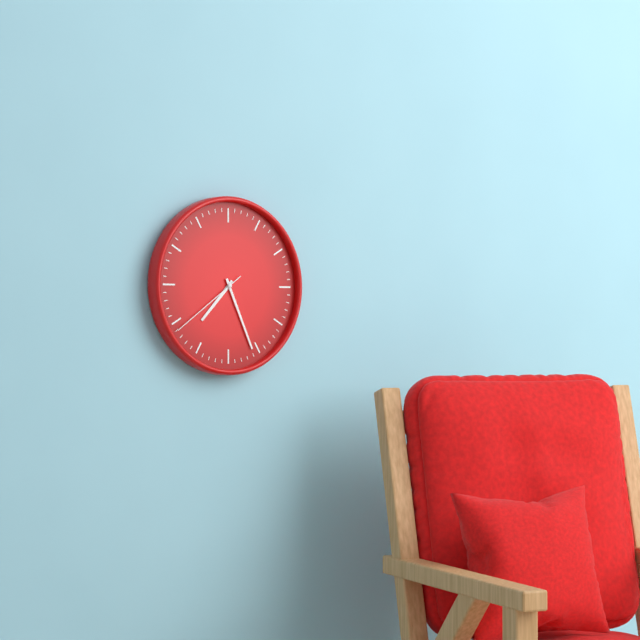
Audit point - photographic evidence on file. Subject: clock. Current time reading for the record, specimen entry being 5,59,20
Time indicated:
7,26,39
